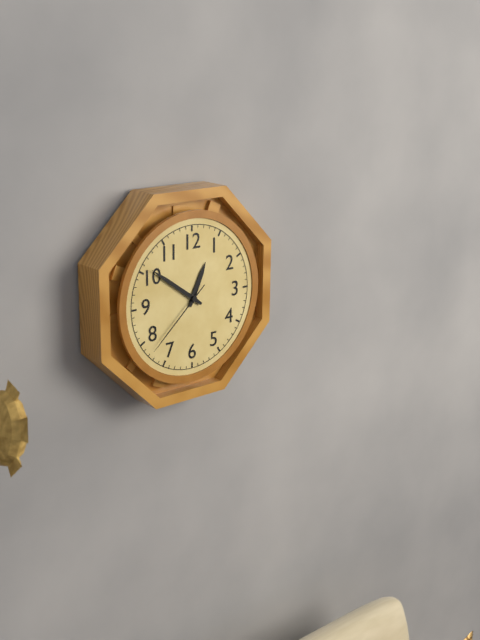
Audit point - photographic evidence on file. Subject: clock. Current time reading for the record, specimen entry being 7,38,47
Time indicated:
12,51,38
